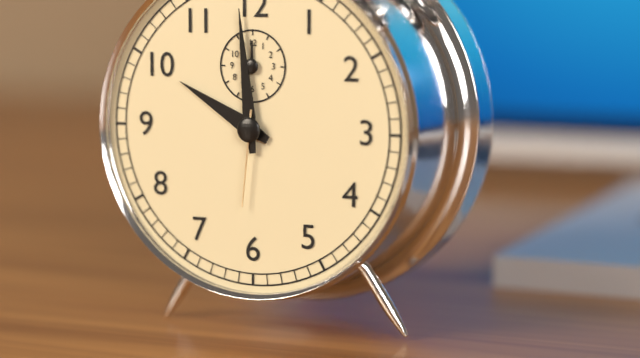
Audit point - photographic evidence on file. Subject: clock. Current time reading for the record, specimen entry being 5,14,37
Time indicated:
9,59,31
